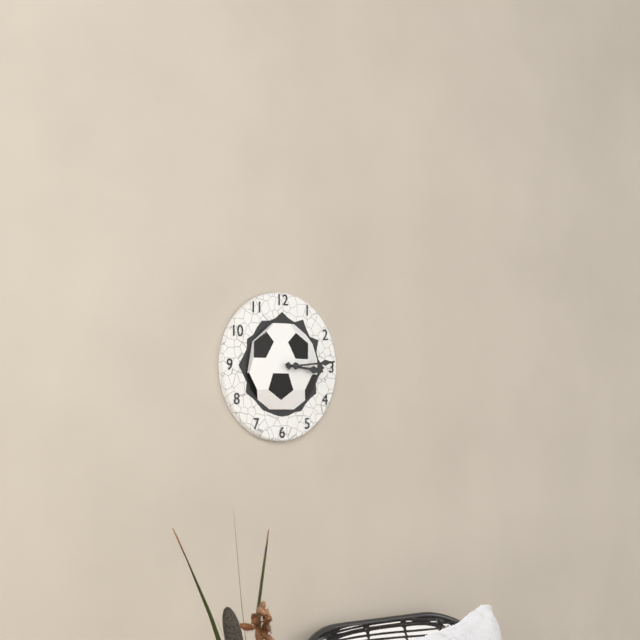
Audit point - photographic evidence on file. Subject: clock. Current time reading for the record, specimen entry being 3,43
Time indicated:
3,14
